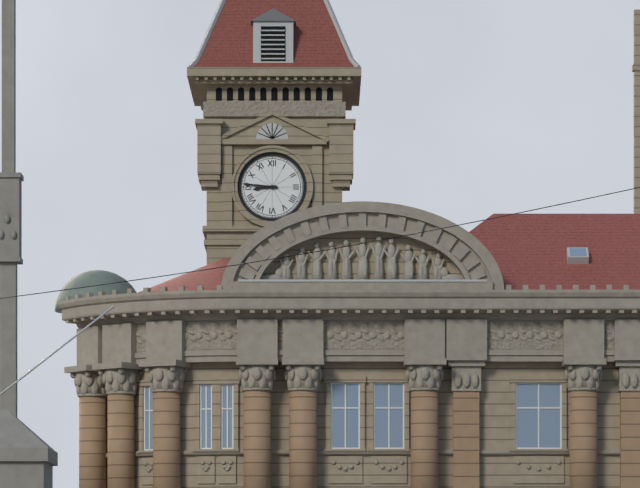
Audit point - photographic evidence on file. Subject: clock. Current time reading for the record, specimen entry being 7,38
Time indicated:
8,46
